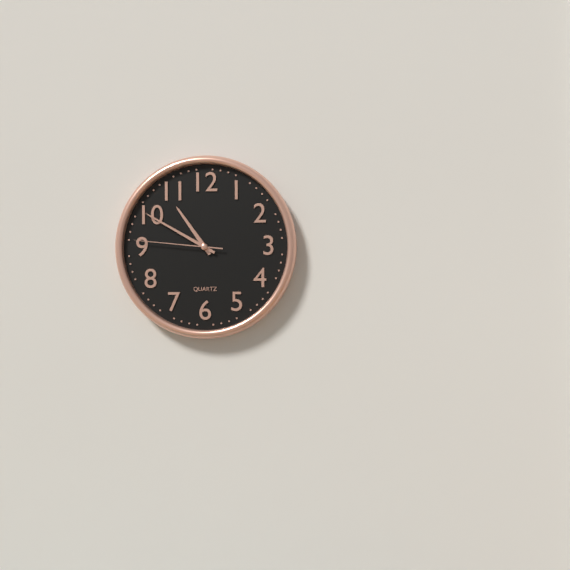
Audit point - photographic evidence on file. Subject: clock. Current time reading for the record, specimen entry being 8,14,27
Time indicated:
10,50,46
